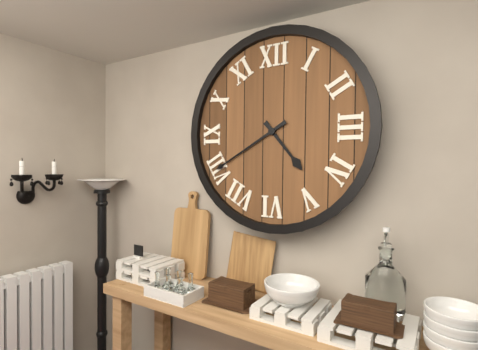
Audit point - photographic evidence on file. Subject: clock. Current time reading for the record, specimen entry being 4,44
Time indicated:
4,40
